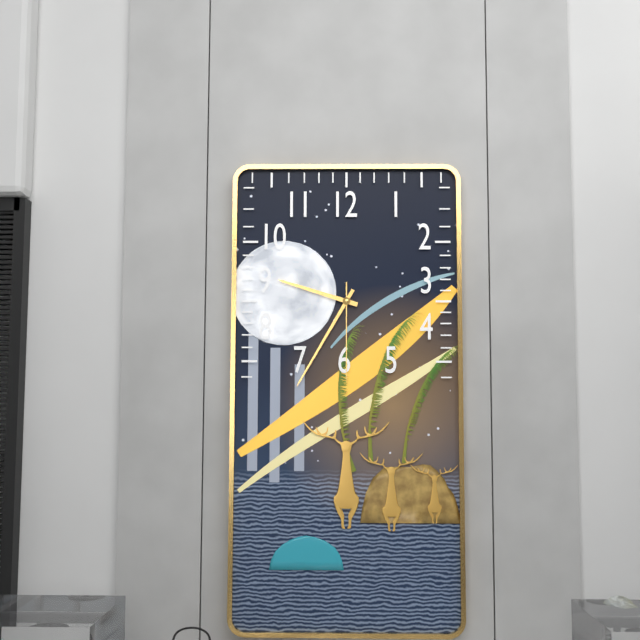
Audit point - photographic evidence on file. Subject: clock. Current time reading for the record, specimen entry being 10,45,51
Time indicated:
9,35,30
